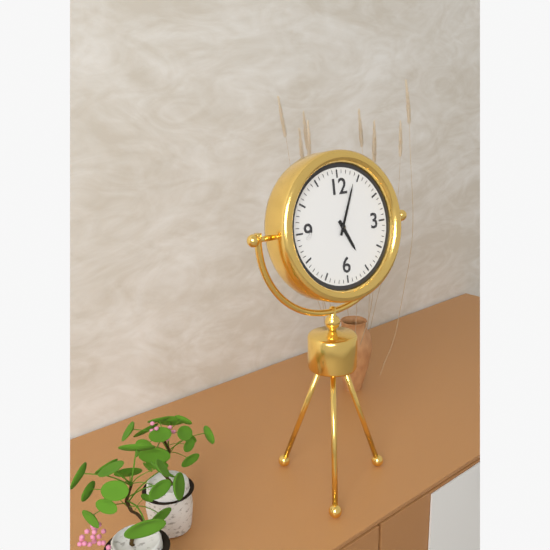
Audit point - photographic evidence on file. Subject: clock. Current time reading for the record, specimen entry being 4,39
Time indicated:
5,04
